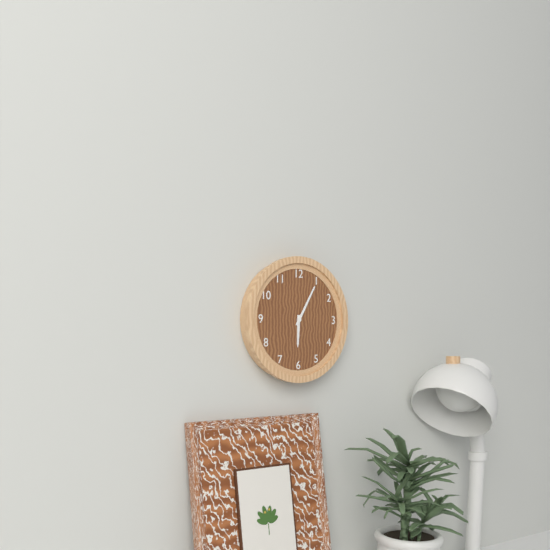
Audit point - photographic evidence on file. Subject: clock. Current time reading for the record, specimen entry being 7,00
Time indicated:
6,05
